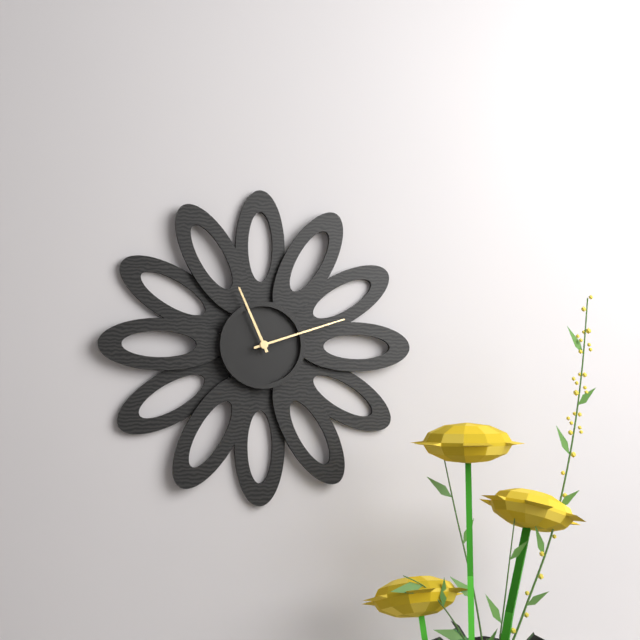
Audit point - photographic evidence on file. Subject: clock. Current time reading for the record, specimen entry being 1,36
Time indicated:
11,12
